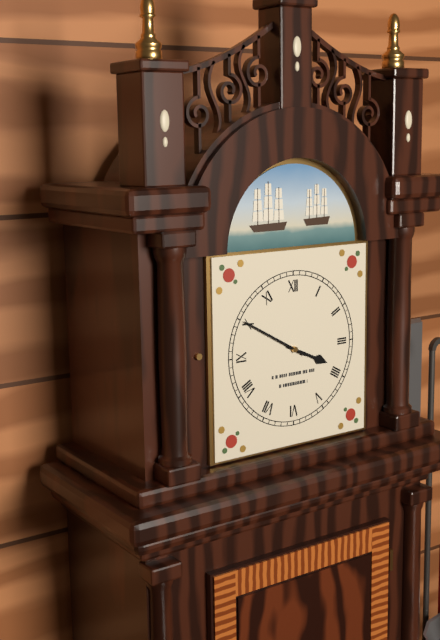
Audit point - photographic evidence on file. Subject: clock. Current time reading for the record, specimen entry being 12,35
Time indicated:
3,50
